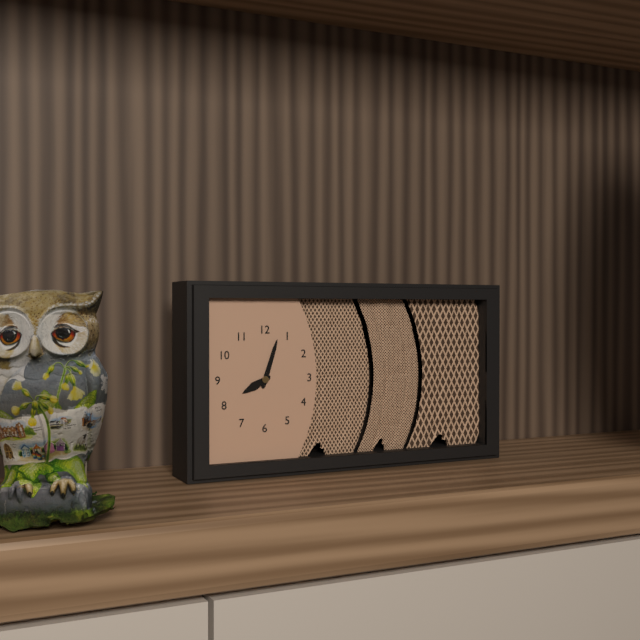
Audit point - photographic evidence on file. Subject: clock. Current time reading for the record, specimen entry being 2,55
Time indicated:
8,03
